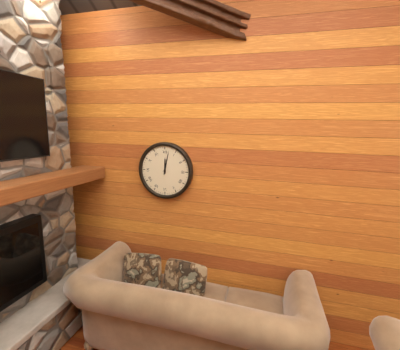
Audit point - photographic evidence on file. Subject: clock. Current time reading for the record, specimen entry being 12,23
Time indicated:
12,02
